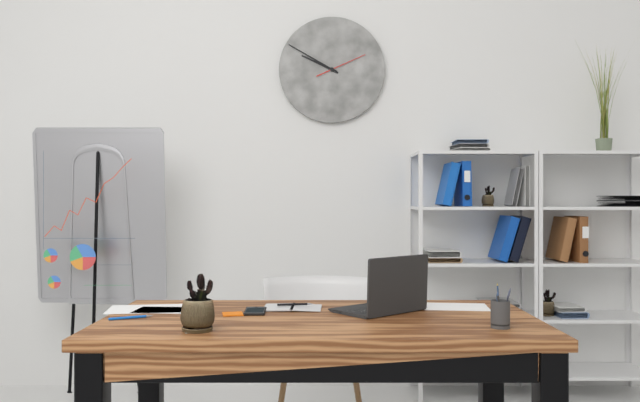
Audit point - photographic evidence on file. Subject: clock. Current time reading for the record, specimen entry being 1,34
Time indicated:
9,50
